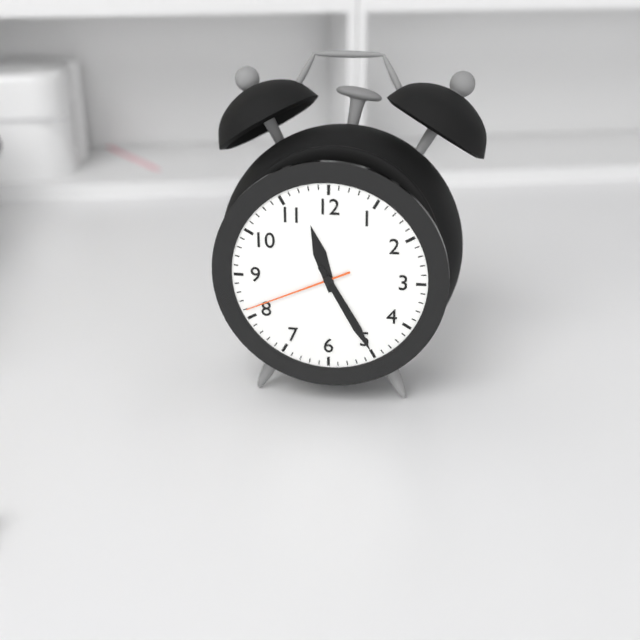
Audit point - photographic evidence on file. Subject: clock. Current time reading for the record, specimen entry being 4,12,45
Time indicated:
11,25,41
